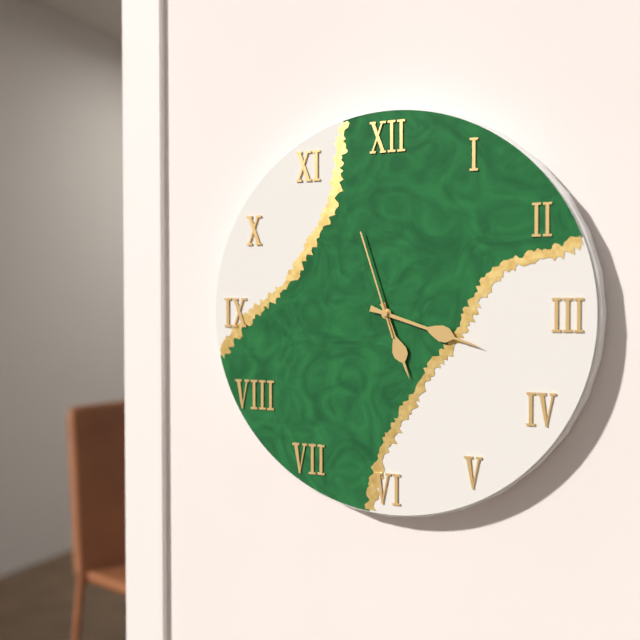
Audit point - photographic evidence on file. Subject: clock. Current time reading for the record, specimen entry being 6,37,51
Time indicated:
5,18,57
